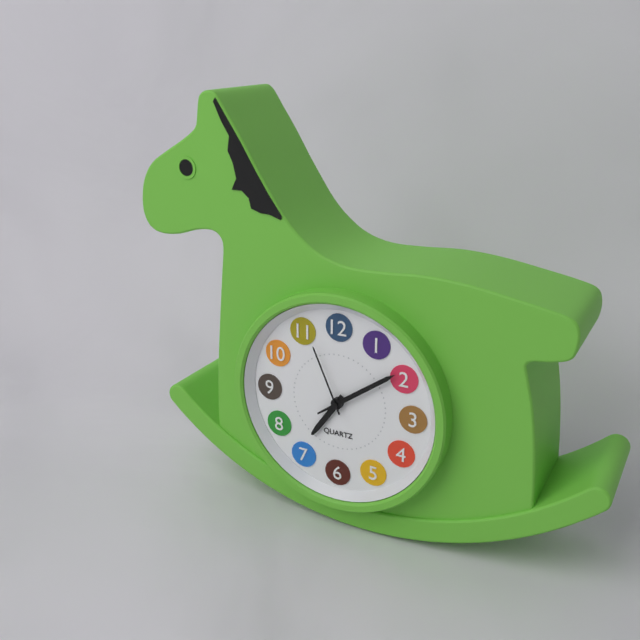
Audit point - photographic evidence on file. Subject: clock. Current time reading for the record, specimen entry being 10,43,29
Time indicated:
7,09,56
